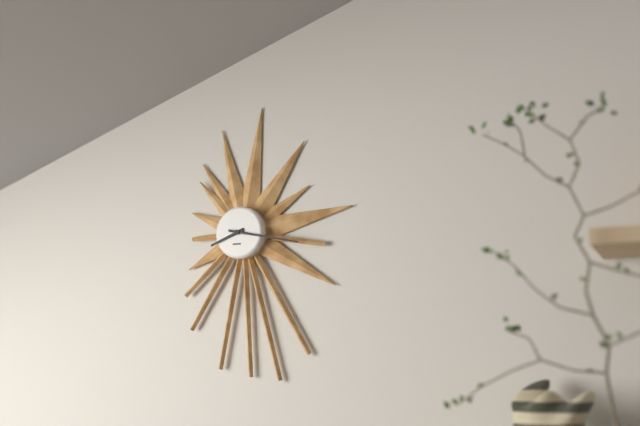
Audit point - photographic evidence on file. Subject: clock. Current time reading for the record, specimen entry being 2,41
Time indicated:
8,17
